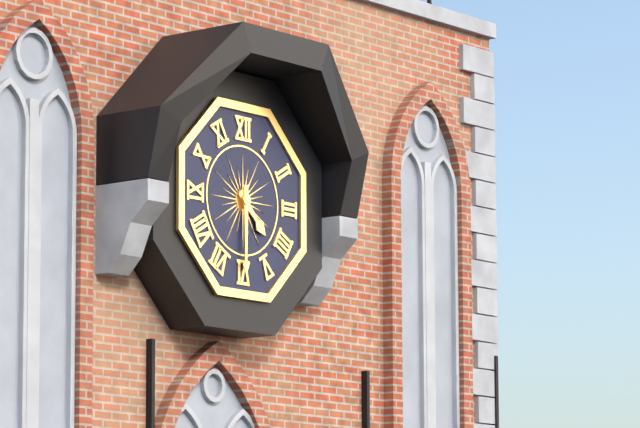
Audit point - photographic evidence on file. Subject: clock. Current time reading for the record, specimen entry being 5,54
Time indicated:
4,30
